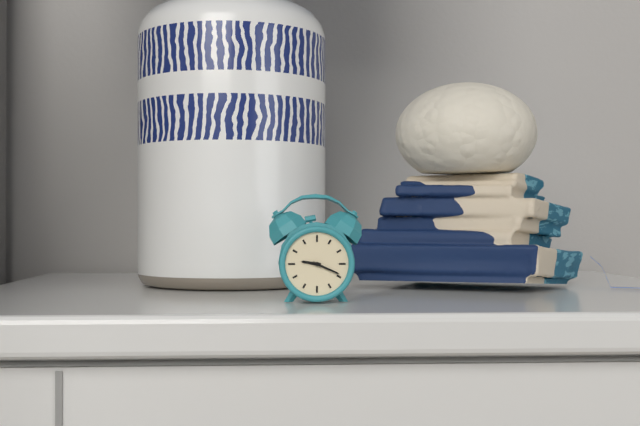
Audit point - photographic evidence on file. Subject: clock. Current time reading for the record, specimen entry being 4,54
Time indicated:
9,19
